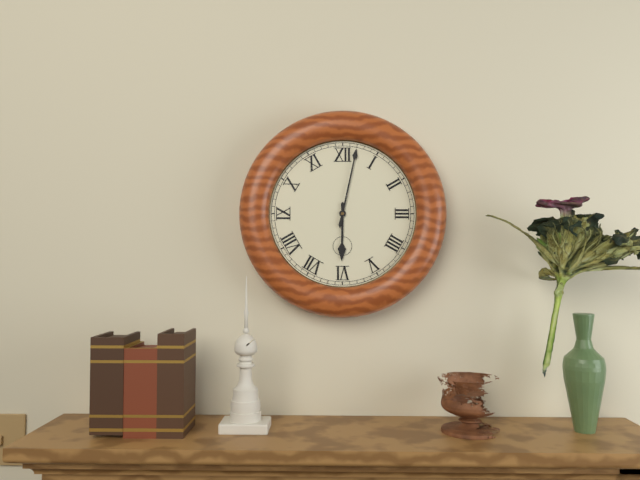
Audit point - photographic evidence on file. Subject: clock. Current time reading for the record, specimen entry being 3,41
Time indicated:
6,02
